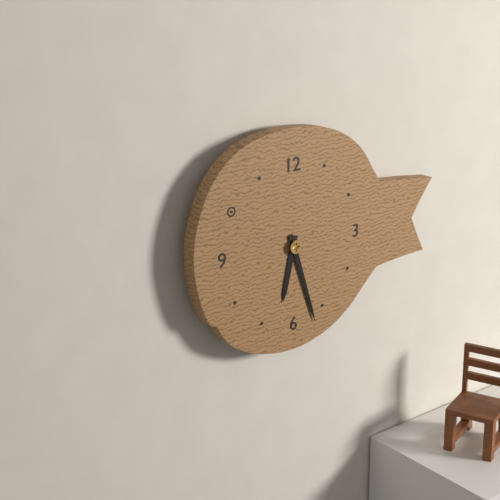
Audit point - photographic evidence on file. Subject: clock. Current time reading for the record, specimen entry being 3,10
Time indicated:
6,27
